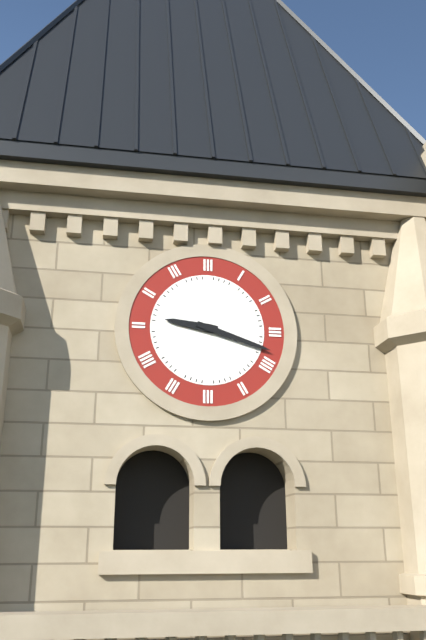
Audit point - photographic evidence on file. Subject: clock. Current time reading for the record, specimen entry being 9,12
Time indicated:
9,18
